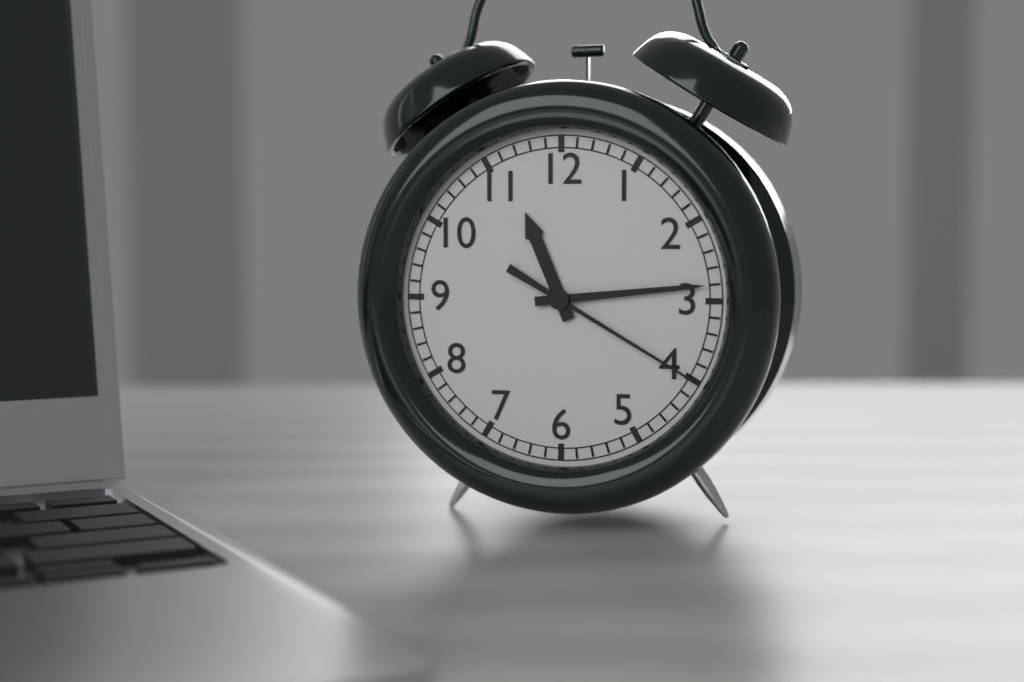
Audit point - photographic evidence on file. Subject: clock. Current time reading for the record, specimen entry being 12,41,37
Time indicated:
11,14,20
